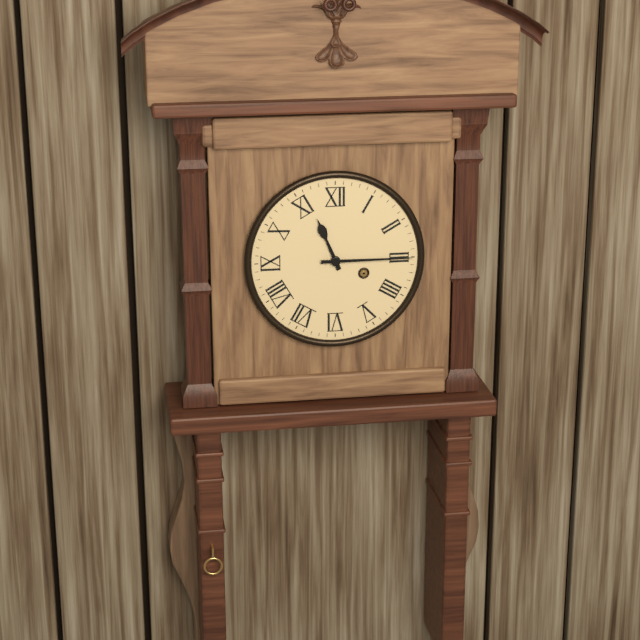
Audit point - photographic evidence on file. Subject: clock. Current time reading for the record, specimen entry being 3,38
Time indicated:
11,15
